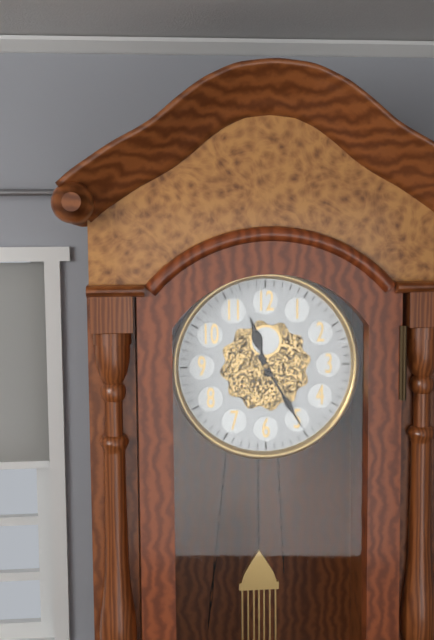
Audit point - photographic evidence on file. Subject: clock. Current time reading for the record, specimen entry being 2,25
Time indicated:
11,25
